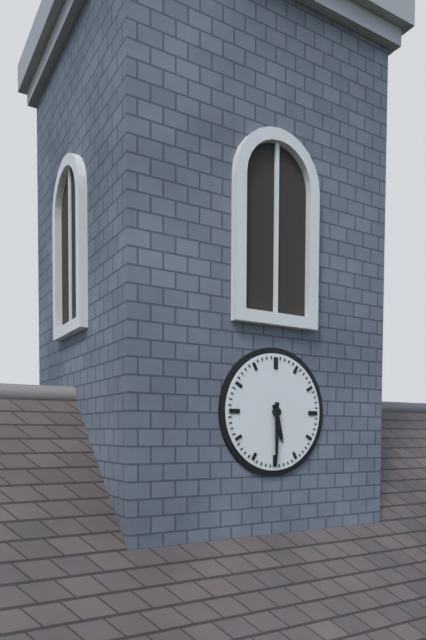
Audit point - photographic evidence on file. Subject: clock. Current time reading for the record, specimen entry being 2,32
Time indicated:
5,30
